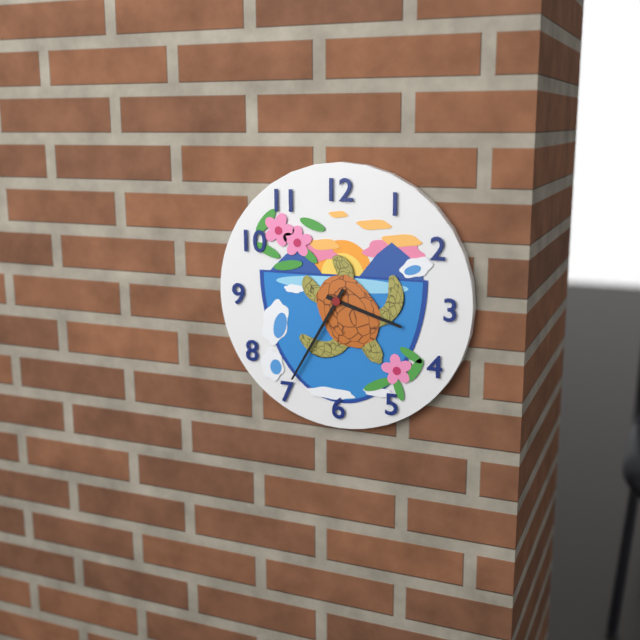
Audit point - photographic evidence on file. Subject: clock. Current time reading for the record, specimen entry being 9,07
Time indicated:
3,35
